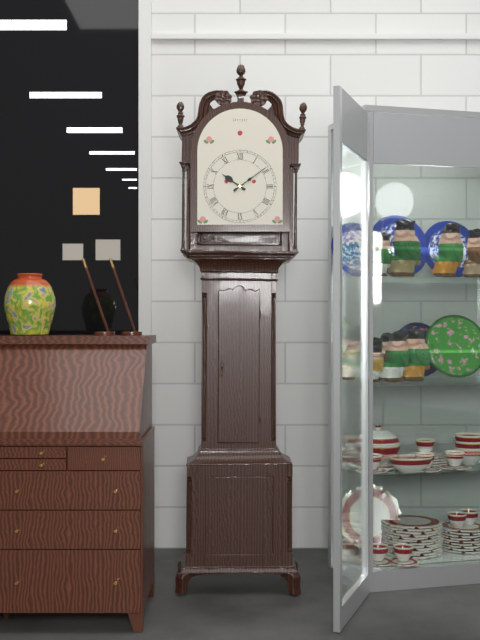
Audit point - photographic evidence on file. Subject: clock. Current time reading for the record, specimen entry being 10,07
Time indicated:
10,09
